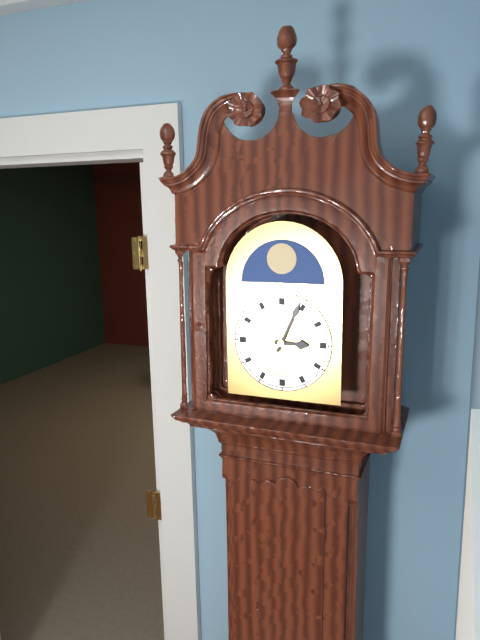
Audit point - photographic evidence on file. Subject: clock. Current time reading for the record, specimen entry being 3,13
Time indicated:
3,04
